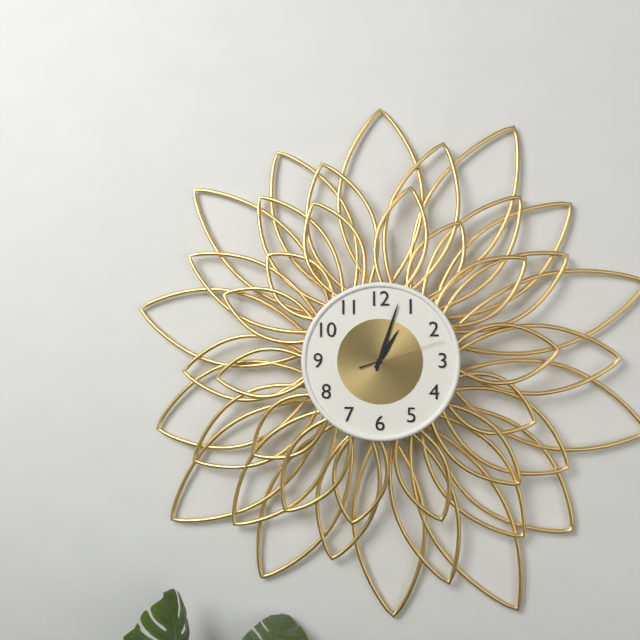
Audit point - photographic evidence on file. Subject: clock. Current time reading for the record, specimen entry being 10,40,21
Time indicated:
1,03,12
